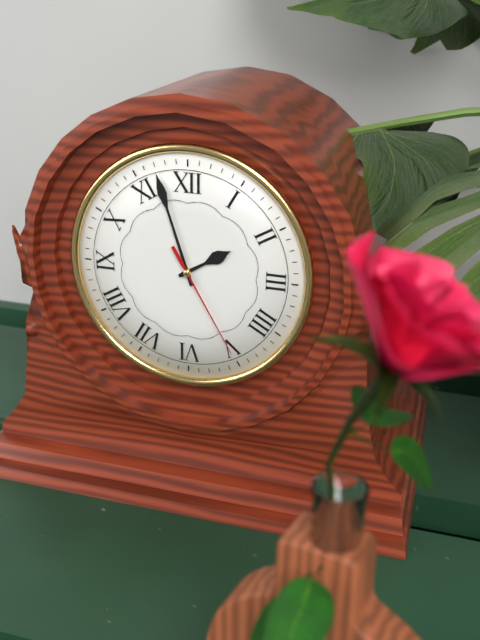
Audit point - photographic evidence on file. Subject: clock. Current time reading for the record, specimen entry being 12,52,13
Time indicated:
1,57,25
